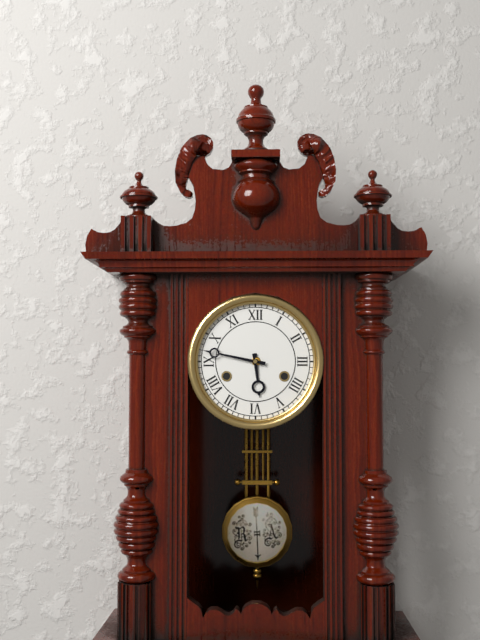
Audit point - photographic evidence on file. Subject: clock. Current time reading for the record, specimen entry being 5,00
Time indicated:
5,47
